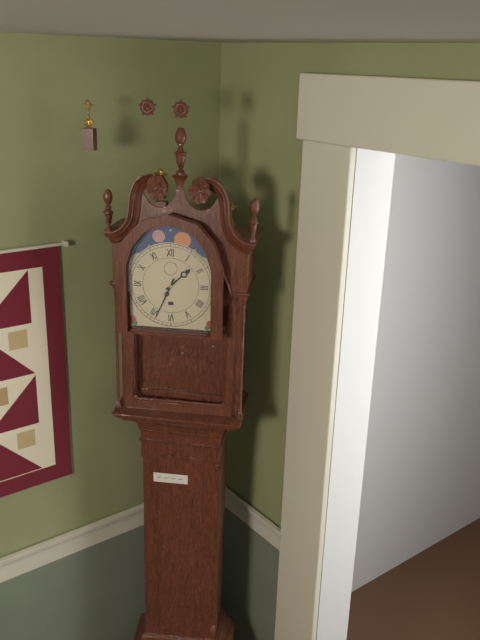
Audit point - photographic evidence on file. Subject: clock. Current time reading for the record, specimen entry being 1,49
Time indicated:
1,34
